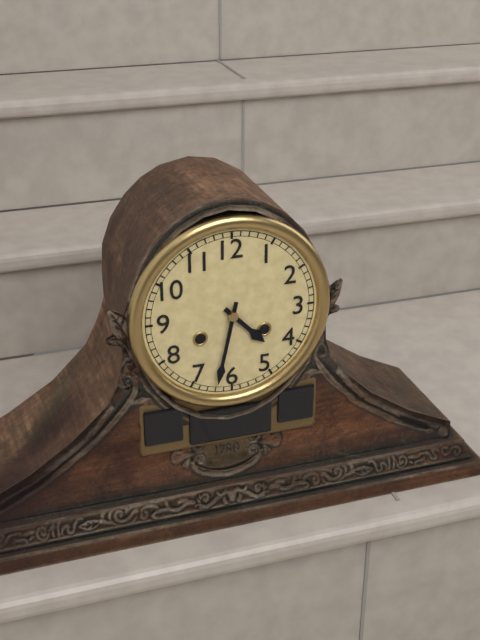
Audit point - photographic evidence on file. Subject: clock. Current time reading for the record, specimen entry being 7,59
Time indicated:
4,32
